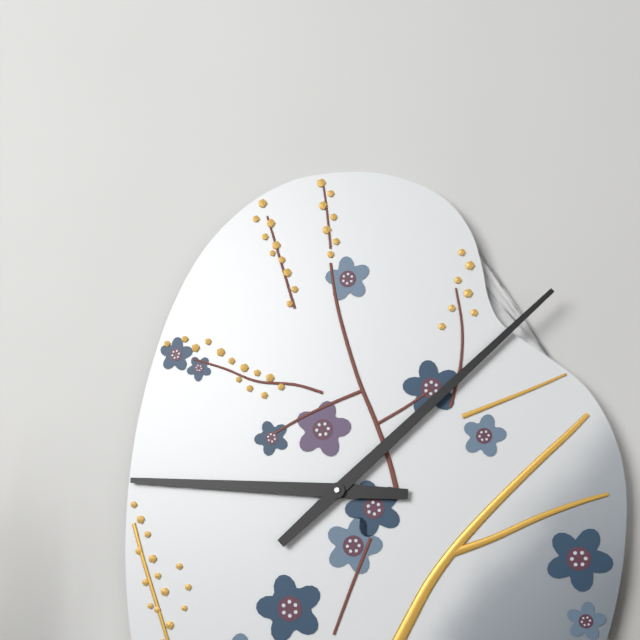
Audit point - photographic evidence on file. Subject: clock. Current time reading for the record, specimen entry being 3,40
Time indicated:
9,08
